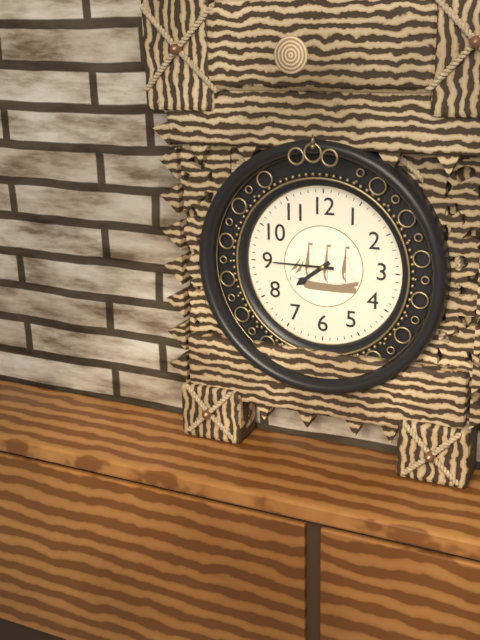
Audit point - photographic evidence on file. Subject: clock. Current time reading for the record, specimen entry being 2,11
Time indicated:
7,45
